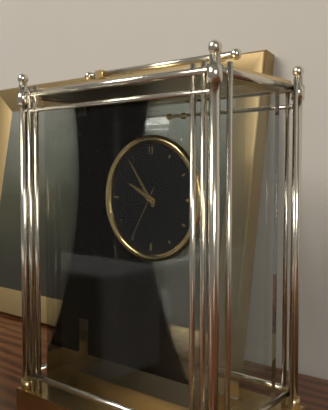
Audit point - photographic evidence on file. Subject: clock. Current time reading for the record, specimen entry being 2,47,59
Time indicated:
9,54,35
